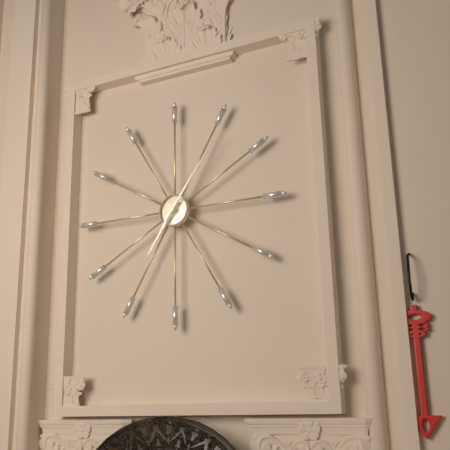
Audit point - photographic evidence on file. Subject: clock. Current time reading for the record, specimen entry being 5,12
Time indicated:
7,06
